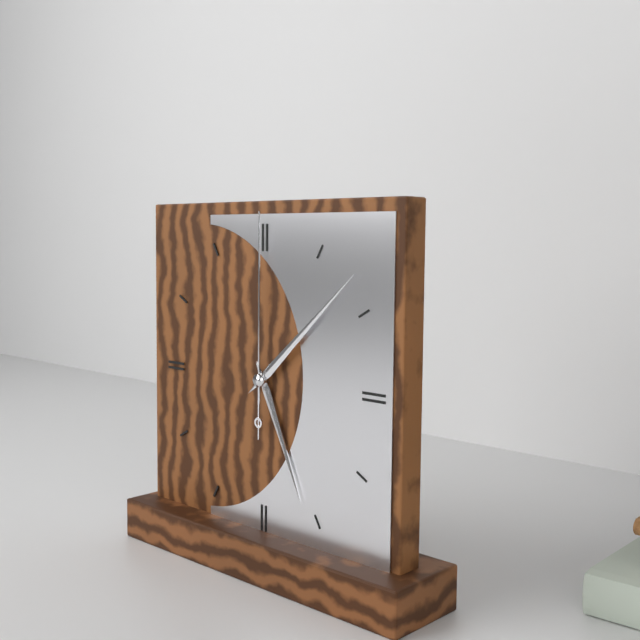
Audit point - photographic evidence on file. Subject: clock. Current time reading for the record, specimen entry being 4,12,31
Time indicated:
5,08,00
